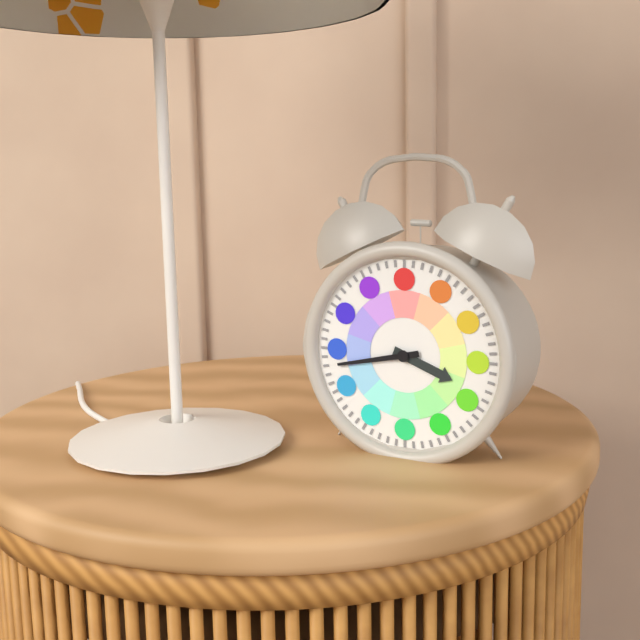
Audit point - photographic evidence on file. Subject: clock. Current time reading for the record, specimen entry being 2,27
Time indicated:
3,43
